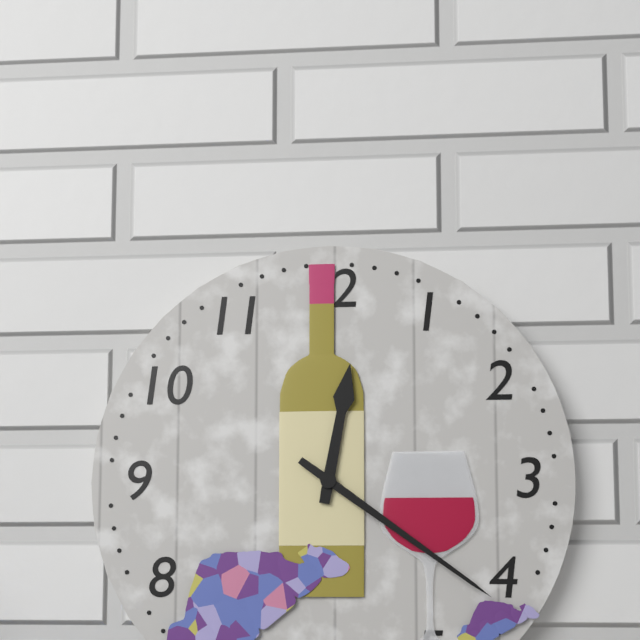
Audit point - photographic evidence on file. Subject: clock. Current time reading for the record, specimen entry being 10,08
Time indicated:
12,21
